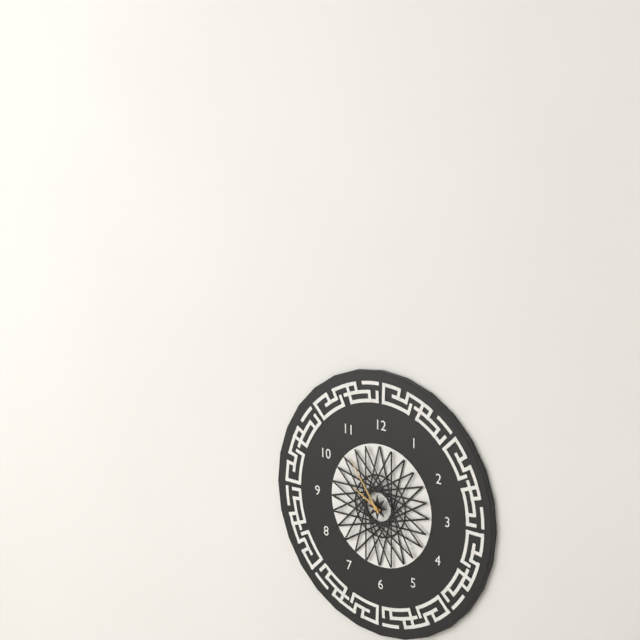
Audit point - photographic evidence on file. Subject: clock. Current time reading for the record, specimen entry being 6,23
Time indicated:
9,54
